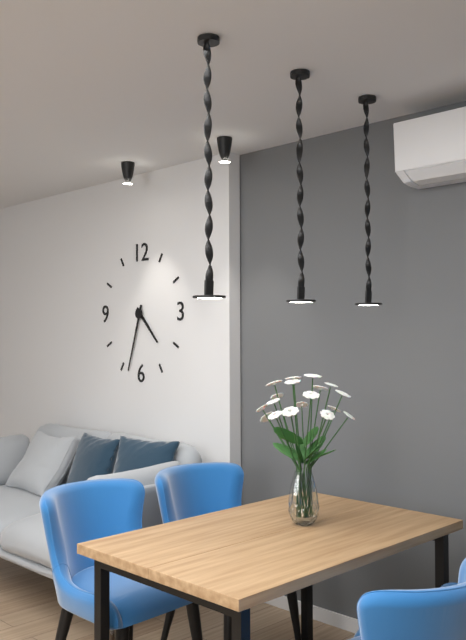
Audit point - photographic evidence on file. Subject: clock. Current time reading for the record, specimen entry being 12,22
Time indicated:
4,33
